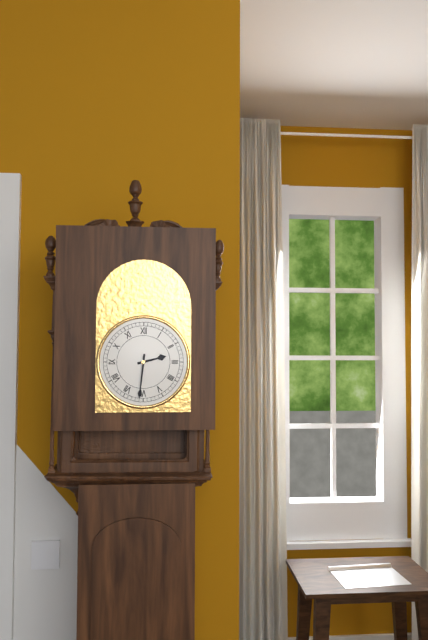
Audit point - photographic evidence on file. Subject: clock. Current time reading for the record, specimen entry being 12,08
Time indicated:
2,31
